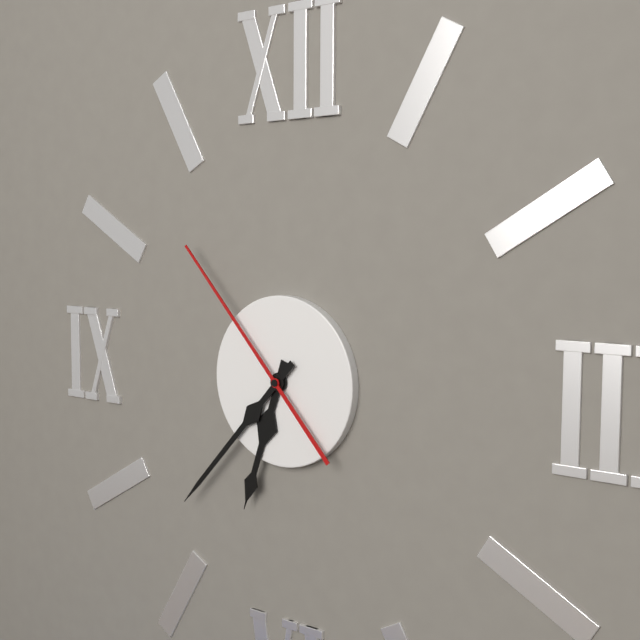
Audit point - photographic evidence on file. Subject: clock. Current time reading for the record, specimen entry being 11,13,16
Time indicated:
6,37,53
